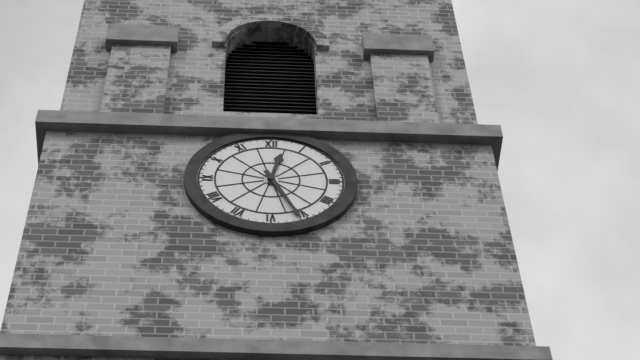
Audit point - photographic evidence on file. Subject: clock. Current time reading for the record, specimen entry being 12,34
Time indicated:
12,26
